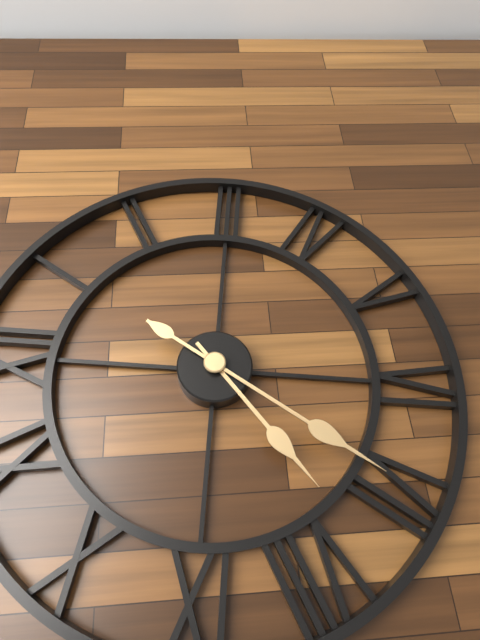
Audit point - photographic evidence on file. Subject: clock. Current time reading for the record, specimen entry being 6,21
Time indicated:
7,35
